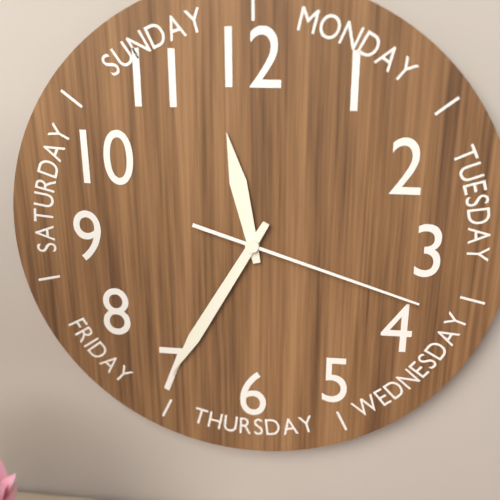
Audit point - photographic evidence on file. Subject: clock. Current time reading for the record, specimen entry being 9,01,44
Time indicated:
11,35,18
